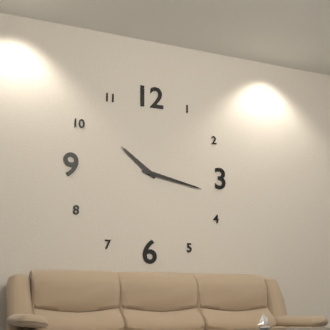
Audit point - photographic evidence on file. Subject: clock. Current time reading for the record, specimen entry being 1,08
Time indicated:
10,17
